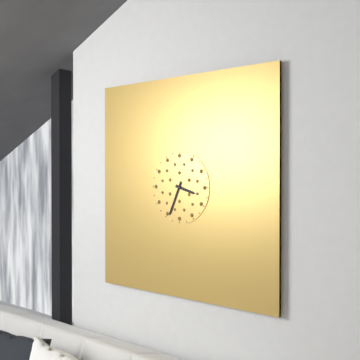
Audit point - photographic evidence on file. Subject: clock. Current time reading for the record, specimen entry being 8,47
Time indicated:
3,34
